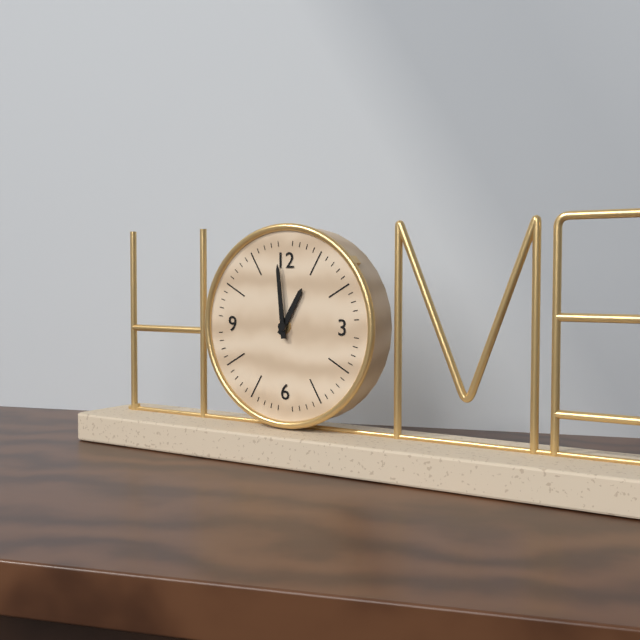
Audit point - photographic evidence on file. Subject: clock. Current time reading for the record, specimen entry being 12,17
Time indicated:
12,59
